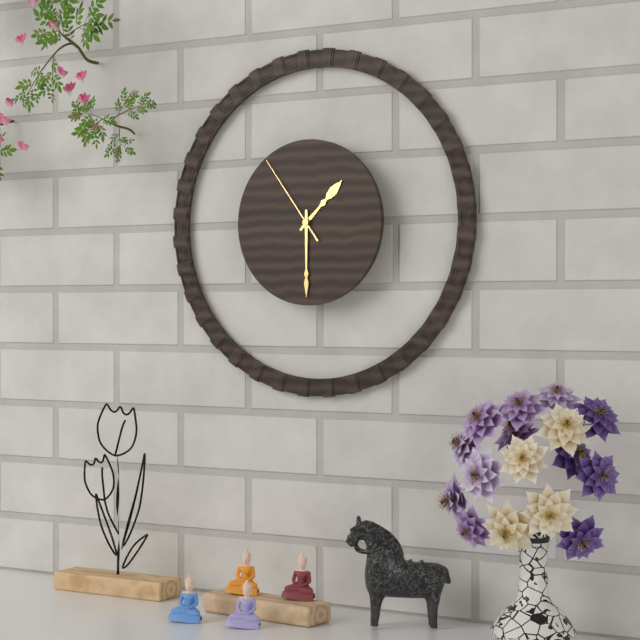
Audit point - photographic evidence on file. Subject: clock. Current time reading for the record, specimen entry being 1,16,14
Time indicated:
1,30,54
